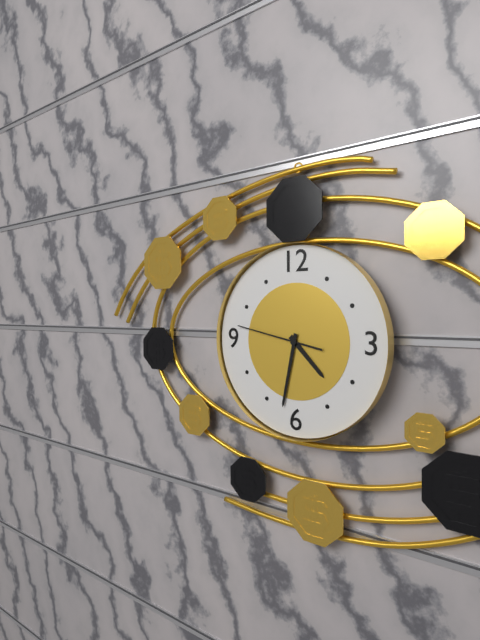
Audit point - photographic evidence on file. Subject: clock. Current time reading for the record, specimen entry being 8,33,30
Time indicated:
4,32,47
